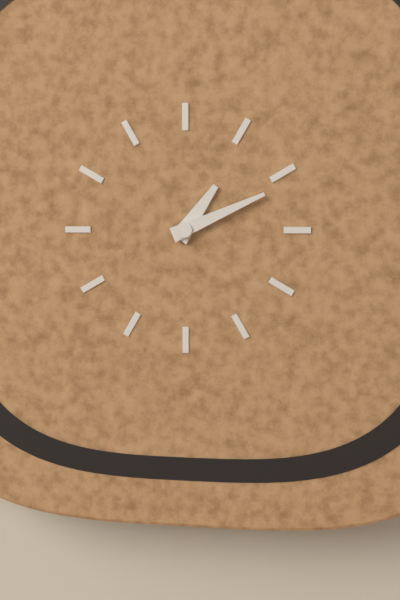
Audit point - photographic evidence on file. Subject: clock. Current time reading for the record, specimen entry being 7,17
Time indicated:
1,11
